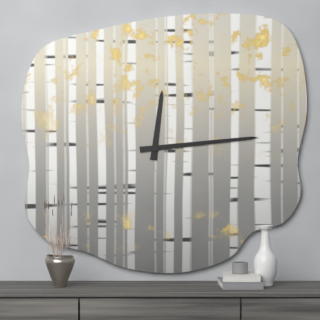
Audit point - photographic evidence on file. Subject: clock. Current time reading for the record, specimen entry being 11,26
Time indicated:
12,14
